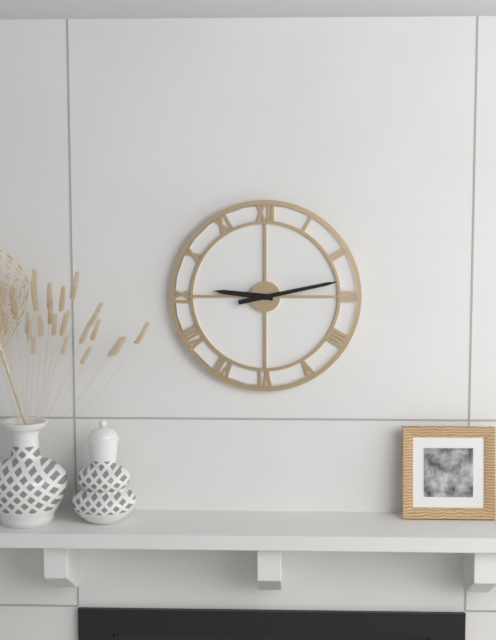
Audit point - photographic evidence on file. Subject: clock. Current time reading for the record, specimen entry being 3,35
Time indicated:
9,13
